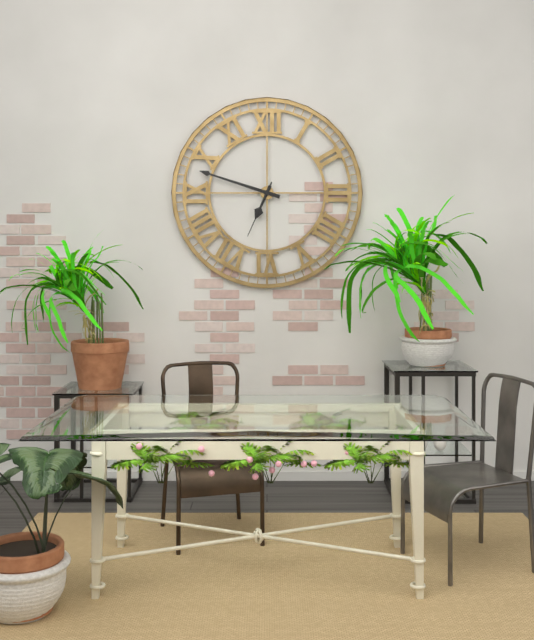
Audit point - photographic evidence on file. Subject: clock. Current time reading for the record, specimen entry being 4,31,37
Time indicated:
6,48,34
